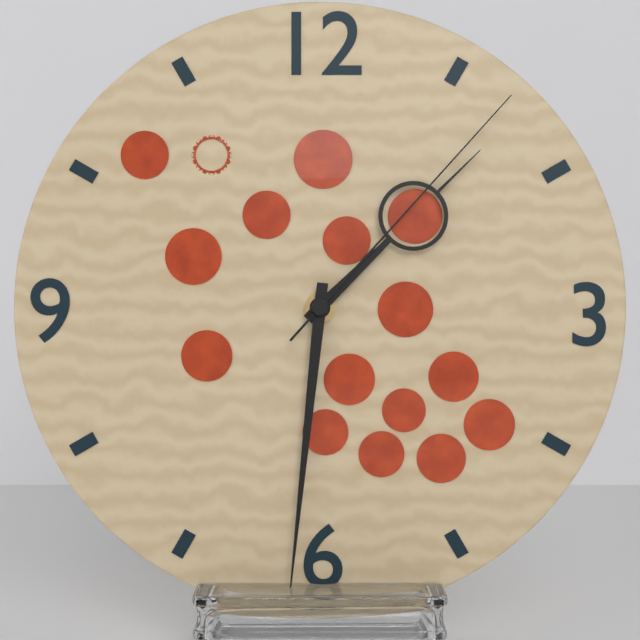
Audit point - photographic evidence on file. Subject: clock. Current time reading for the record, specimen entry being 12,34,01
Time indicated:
1,31,07
